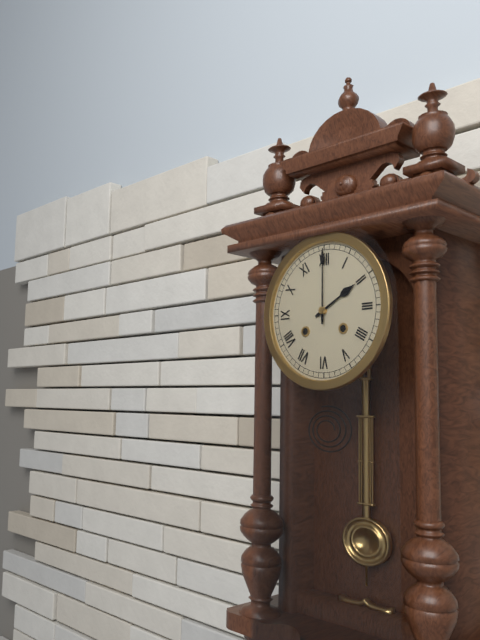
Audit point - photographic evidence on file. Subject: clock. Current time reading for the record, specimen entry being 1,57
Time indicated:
2,00
